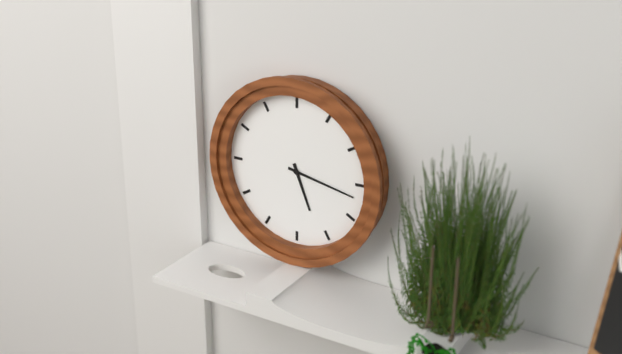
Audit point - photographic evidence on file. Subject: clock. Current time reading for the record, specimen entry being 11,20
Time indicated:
5,17
